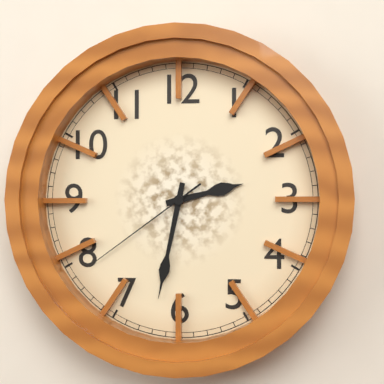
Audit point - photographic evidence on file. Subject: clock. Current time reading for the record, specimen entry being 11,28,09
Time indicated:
2,32,39
